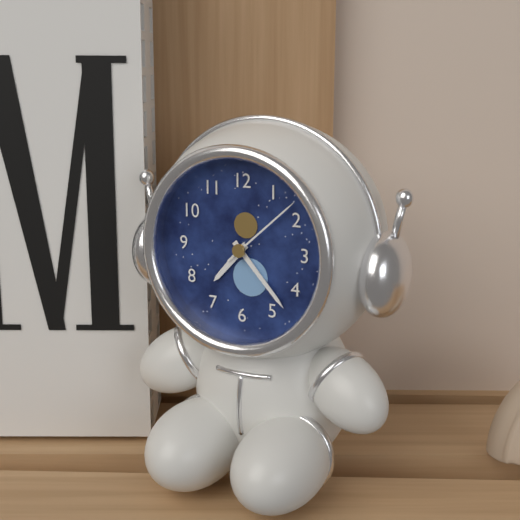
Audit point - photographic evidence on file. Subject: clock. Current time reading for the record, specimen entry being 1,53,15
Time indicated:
7,23,08
